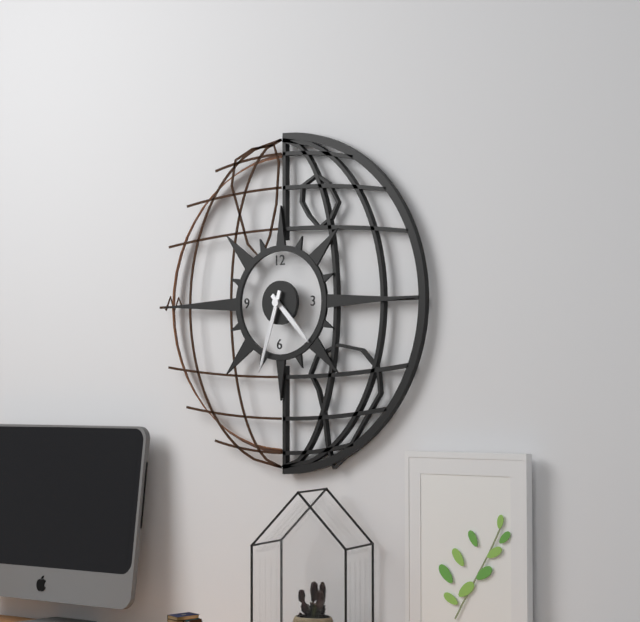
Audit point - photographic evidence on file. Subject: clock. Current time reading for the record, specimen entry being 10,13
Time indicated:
4,33
